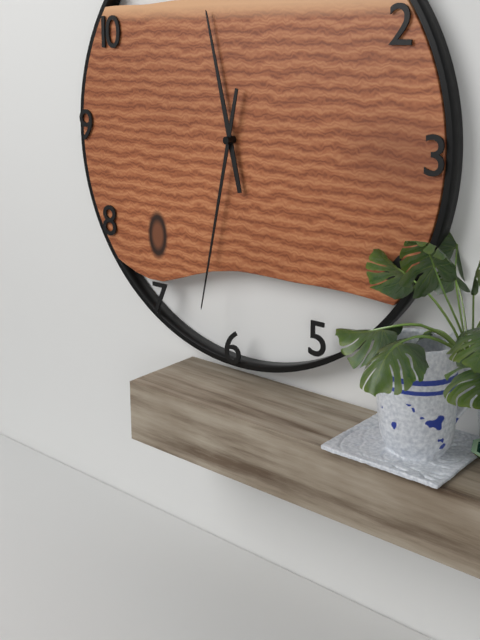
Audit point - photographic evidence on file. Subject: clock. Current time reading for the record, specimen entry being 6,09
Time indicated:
11,32
